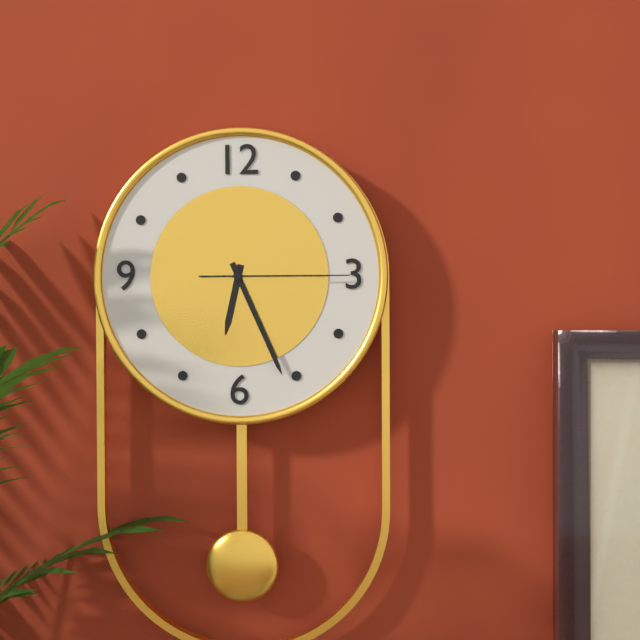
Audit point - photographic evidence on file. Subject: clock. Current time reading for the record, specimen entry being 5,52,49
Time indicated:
6,26,15
